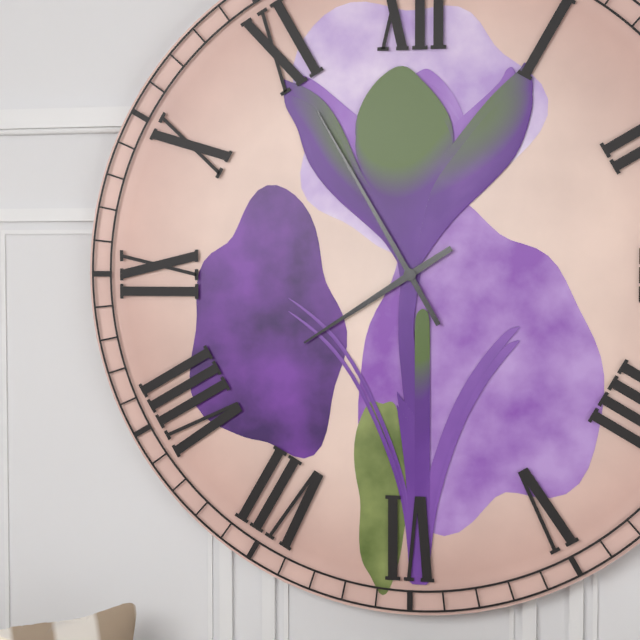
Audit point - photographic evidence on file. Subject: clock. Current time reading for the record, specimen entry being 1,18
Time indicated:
7,55
